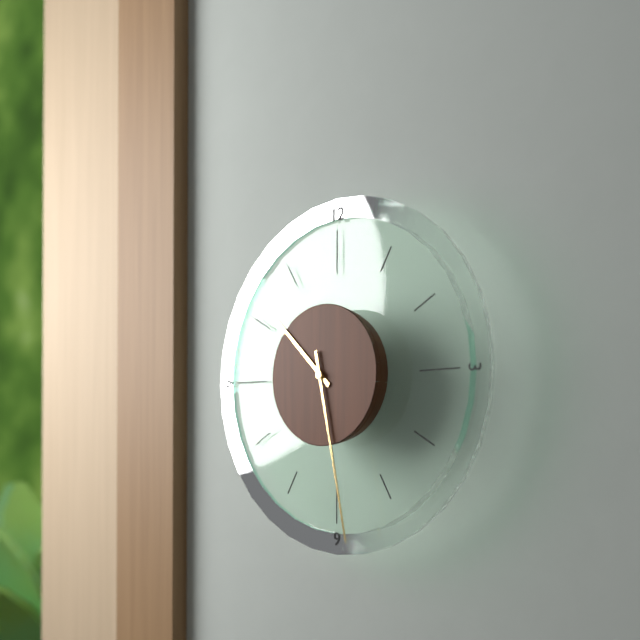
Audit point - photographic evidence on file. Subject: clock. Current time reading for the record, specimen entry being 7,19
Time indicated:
10,28
